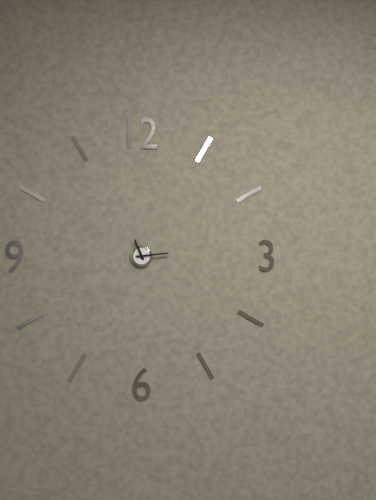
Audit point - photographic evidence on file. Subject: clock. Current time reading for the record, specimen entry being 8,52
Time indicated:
11,14
